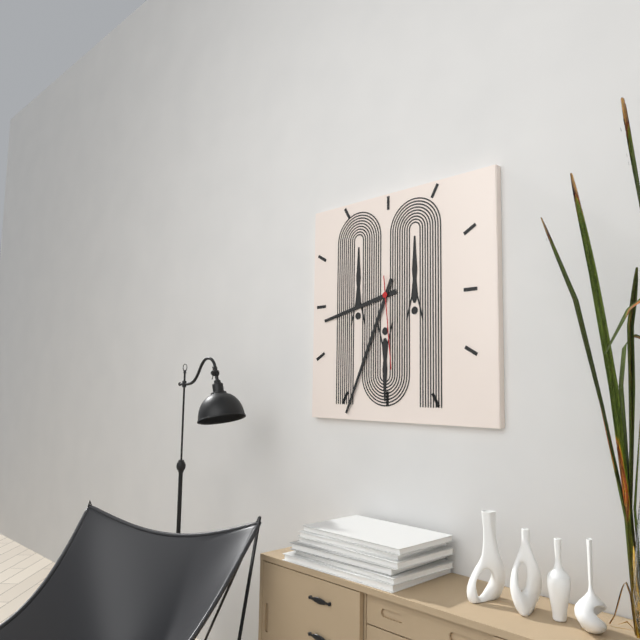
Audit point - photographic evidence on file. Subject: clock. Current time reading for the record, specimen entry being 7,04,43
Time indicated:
8,34,29
